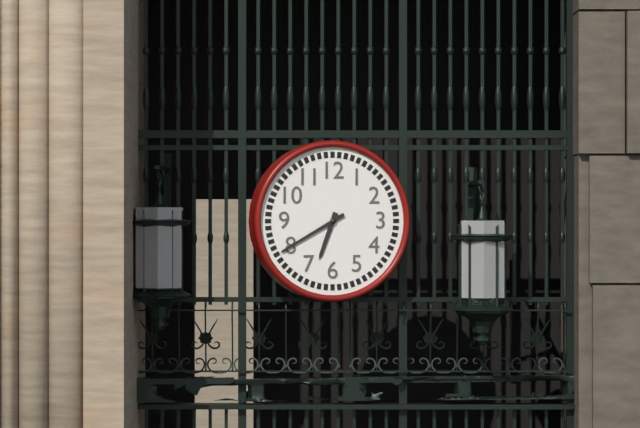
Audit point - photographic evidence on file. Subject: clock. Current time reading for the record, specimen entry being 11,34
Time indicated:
6,40
